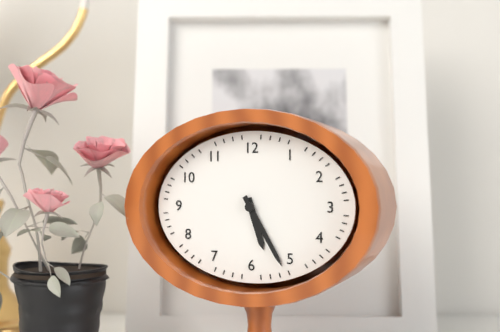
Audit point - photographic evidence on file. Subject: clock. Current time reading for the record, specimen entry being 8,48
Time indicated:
5,25
